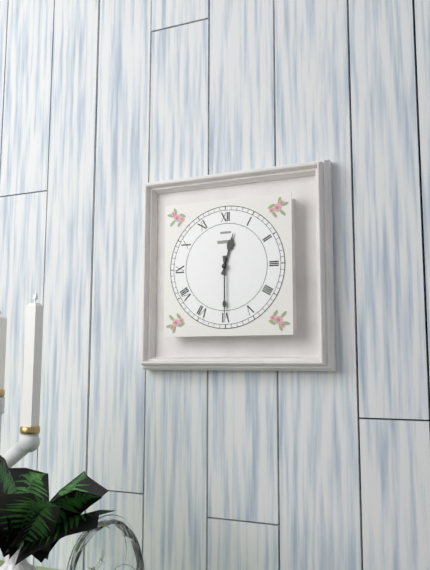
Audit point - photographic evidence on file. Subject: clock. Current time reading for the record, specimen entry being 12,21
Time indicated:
12,30
